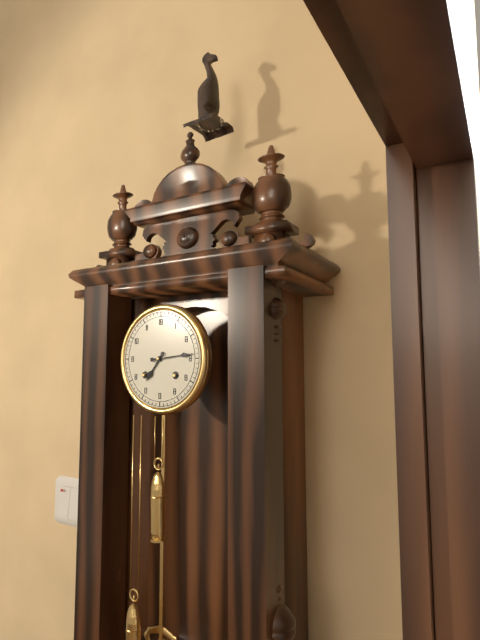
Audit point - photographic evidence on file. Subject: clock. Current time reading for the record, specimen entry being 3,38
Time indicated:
7,14
